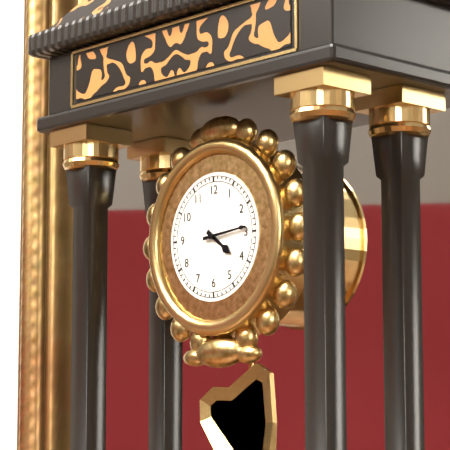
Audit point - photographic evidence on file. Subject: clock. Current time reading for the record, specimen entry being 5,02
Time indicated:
4,14
